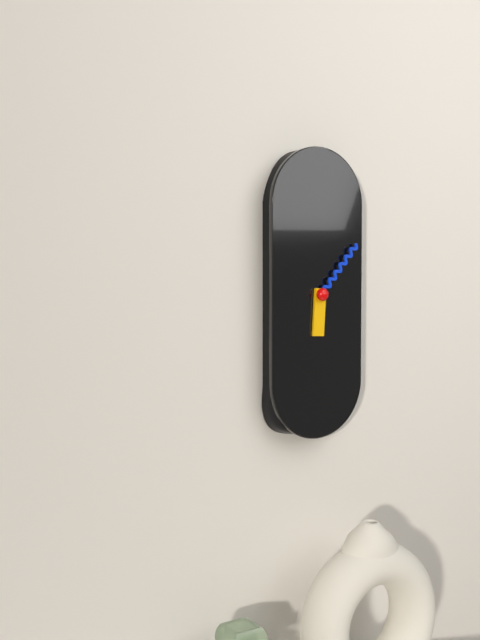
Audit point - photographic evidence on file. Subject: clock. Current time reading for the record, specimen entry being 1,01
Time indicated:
6,07
